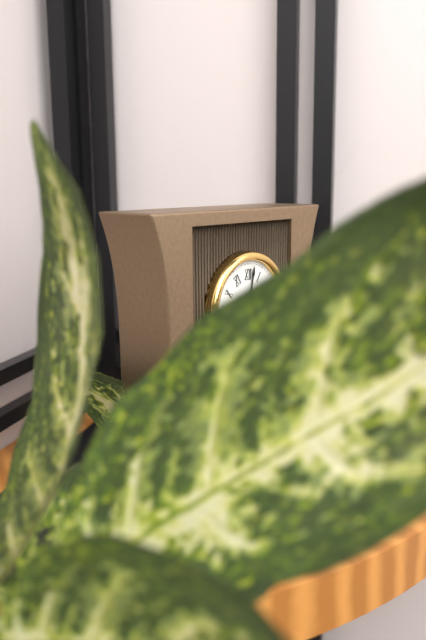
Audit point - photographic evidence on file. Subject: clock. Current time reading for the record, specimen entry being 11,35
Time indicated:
3,02
